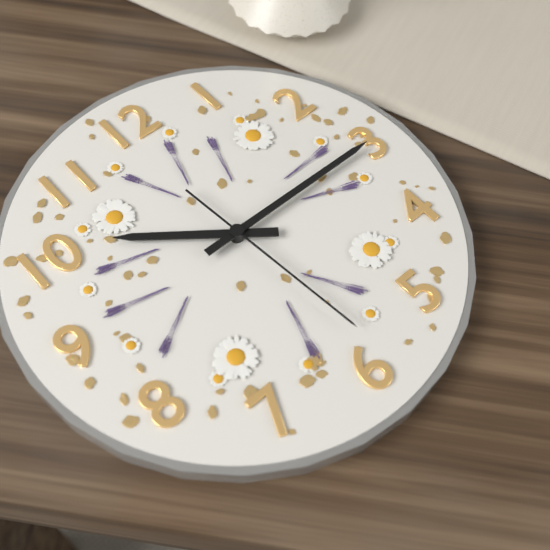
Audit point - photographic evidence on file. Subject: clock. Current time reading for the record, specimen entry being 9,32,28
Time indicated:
10,15,29
